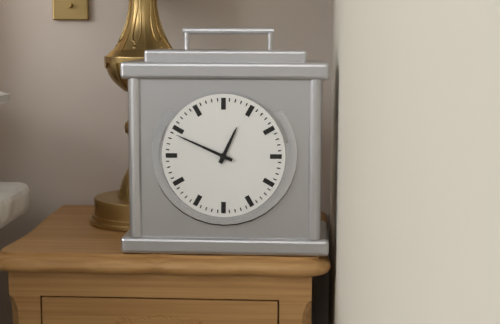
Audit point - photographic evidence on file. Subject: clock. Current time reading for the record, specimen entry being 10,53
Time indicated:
12,49
